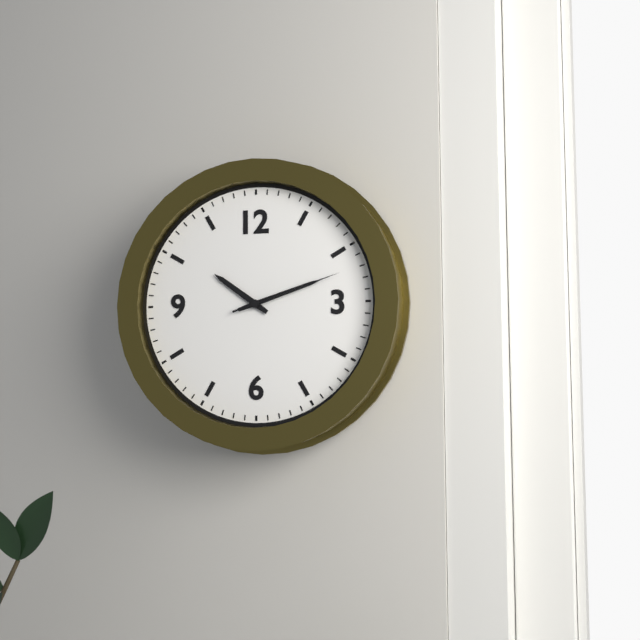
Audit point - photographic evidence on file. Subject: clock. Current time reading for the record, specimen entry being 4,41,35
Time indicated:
10,12,12
